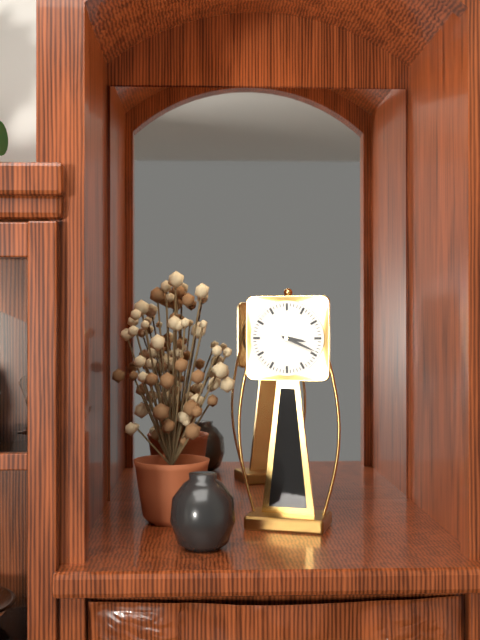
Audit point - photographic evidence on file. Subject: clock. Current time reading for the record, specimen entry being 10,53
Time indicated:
3,19
